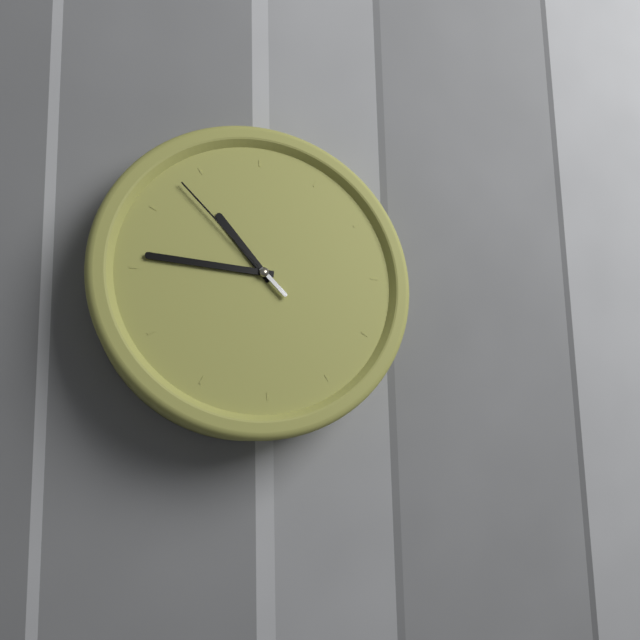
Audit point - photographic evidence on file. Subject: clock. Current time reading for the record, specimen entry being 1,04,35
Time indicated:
10,46,53
